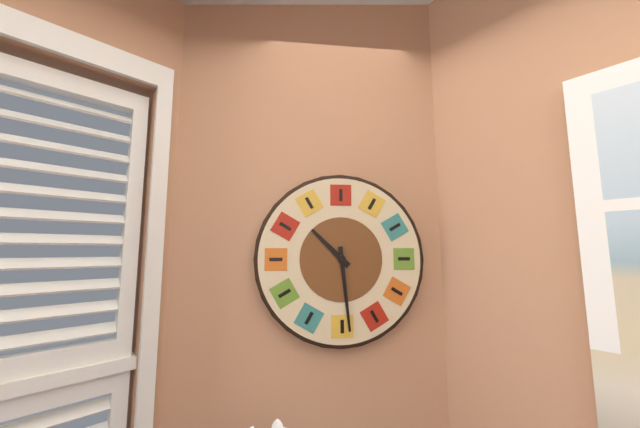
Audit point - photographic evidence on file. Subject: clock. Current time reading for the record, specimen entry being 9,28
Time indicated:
10,29
